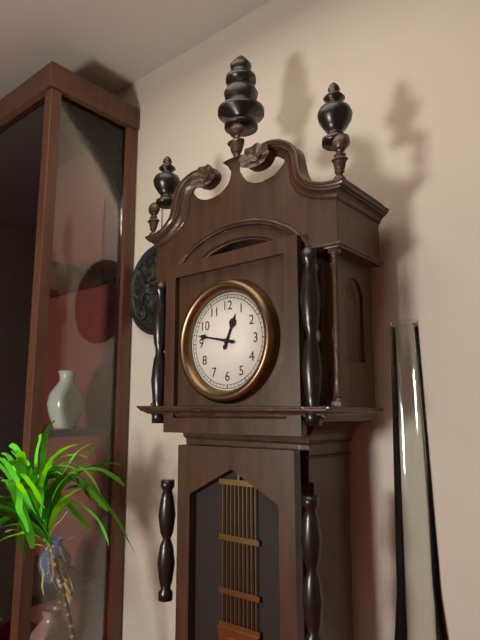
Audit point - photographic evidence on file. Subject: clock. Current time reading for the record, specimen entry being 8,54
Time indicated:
12,47
